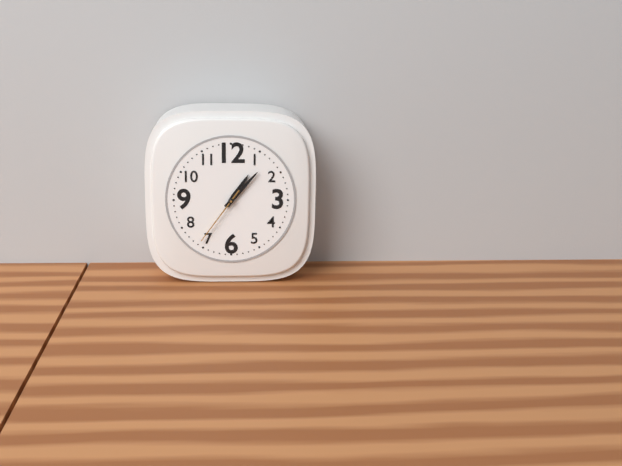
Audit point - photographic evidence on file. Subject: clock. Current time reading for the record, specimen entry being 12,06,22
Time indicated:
1,07,36
